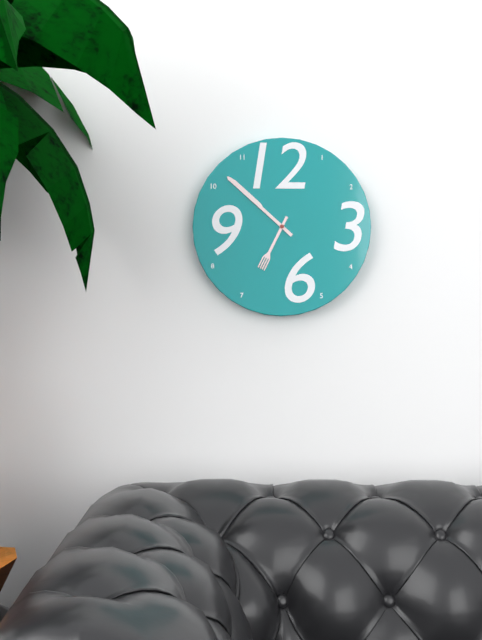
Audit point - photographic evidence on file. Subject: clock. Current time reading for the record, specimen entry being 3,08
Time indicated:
6,52
